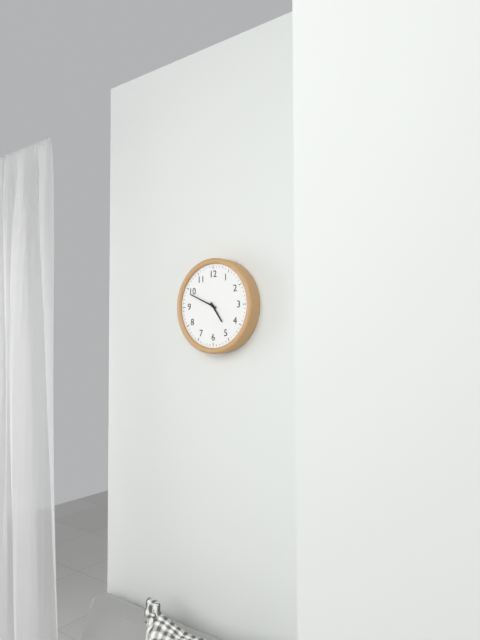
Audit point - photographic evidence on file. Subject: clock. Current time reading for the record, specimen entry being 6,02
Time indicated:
4,49
